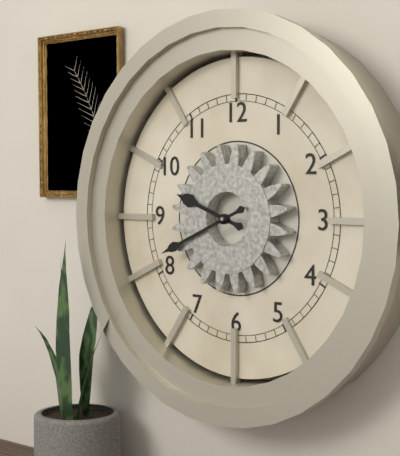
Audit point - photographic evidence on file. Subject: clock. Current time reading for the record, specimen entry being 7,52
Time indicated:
9,41
